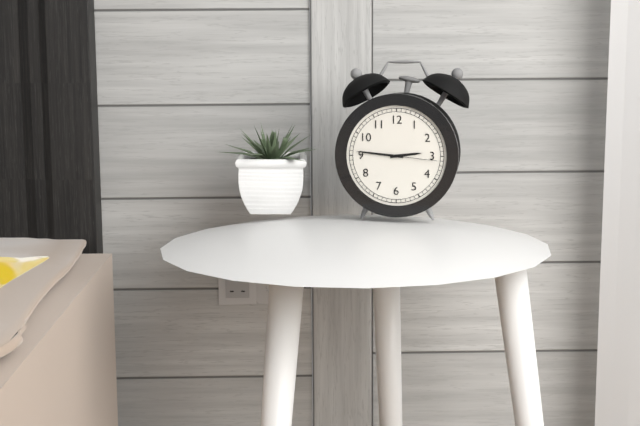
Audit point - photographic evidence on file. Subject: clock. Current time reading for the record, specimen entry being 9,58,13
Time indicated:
2,46,16
